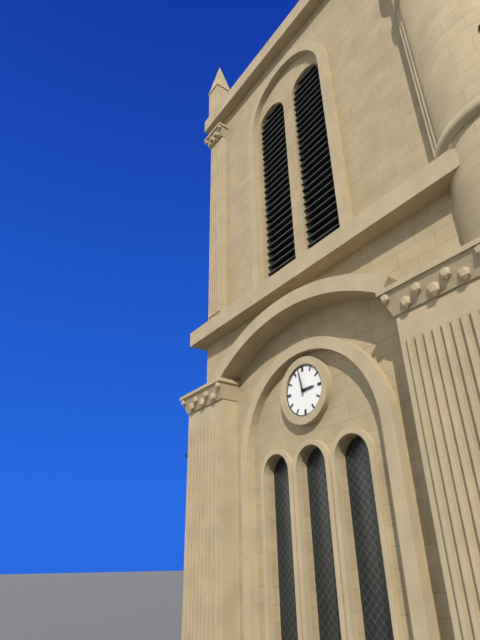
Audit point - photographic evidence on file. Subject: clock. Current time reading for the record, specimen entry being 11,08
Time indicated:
2,58
